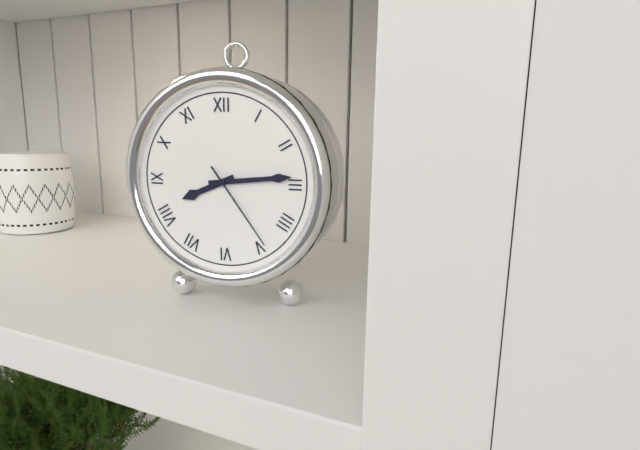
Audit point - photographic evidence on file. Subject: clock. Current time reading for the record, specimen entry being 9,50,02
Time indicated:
8,14,24
